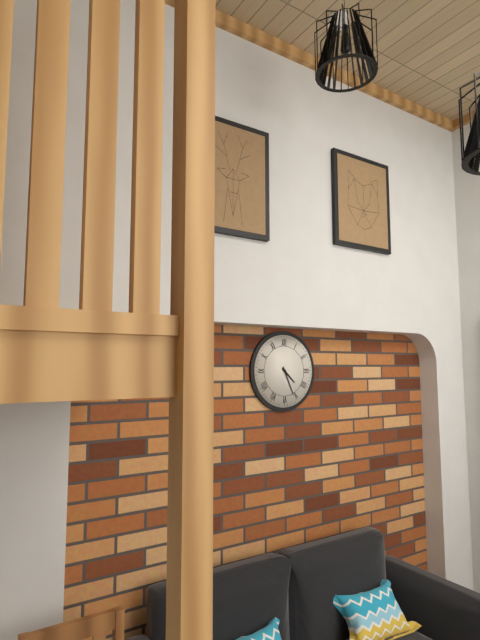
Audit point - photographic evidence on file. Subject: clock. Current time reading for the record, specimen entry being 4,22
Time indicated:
4,26
